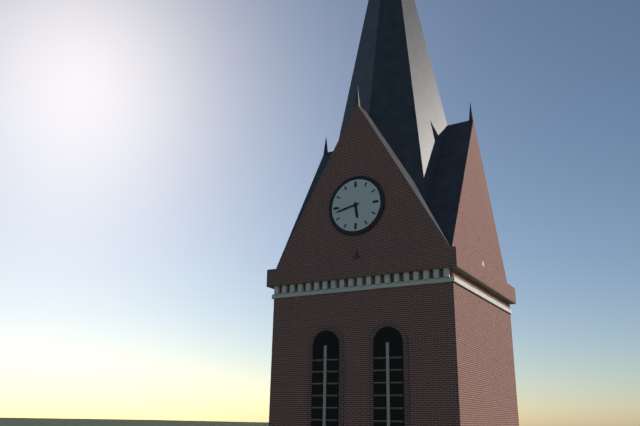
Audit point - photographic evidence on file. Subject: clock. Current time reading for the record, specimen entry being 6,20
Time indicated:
5,43
